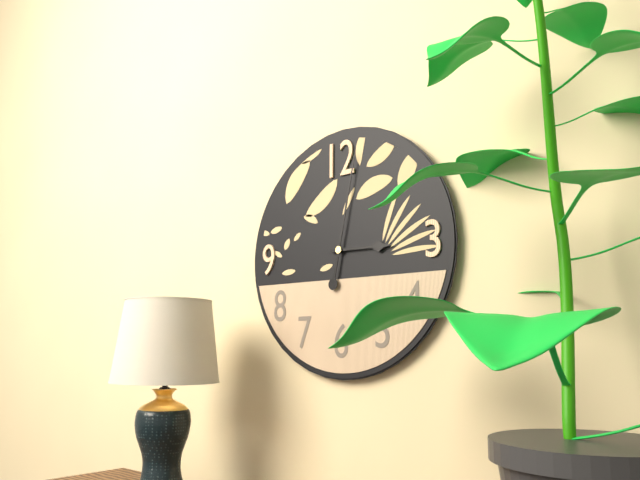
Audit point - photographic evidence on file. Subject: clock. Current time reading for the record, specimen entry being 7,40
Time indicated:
3,02
